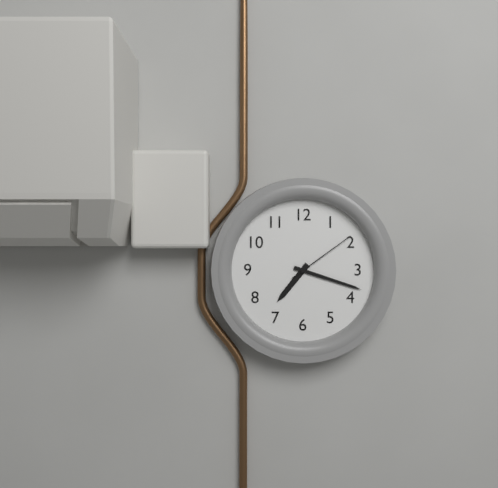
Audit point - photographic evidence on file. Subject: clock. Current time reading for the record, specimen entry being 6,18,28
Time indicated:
7,18,09
